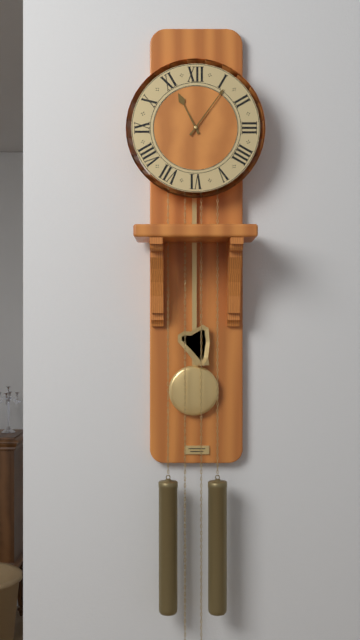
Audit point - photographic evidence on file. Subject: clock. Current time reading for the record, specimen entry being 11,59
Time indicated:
11,06
